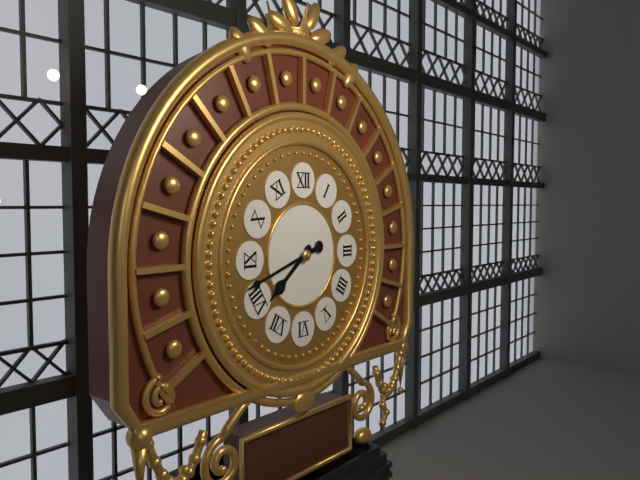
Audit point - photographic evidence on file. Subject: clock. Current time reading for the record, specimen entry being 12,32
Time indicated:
7,42
